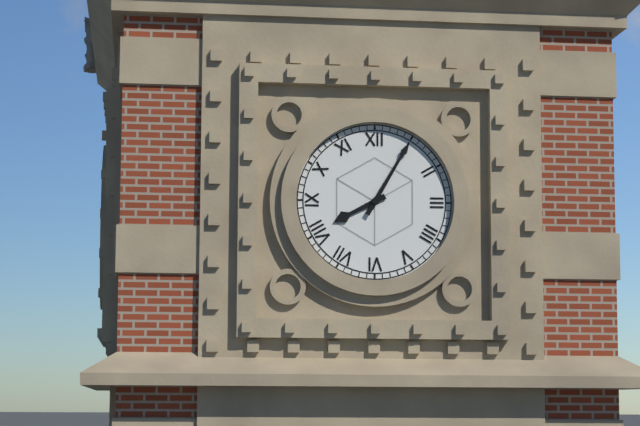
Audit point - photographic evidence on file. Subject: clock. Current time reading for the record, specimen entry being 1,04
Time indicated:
8,05
